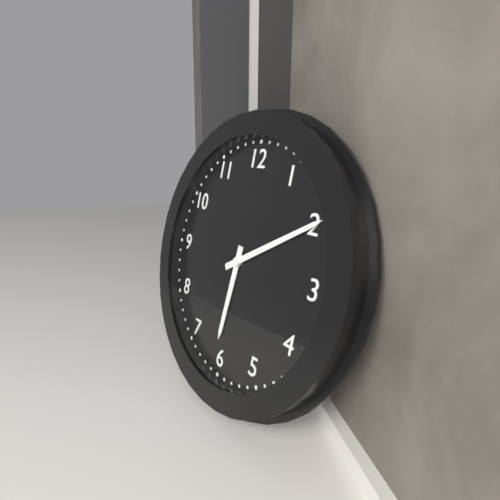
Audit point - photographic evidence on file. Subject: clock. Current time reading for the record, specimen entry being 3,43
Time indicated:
6,10
